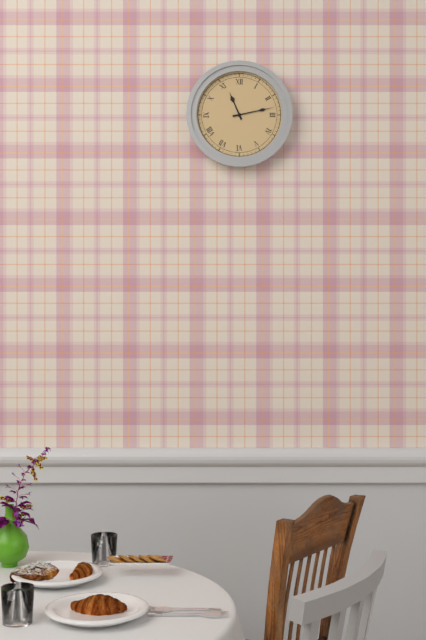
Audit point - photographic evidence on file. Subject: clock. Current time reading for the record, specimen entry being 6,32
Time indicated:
11,13
